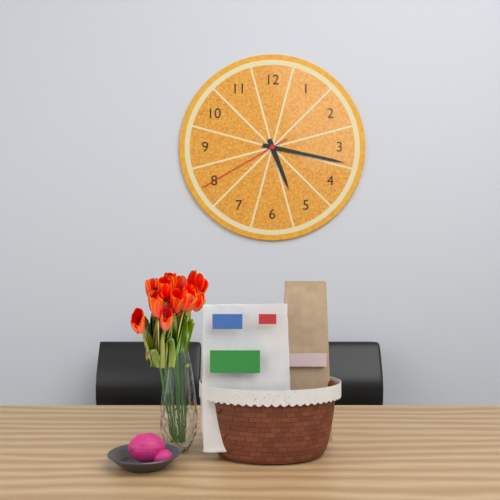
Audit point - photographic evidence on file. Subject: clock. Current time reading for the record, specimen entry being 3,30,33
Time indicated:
5,17,40
